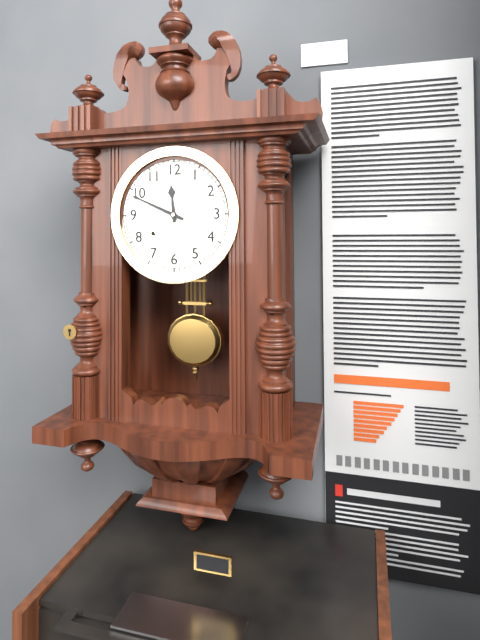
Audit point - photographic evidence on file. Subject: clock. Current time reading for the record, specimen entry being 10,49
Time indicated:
11,49
